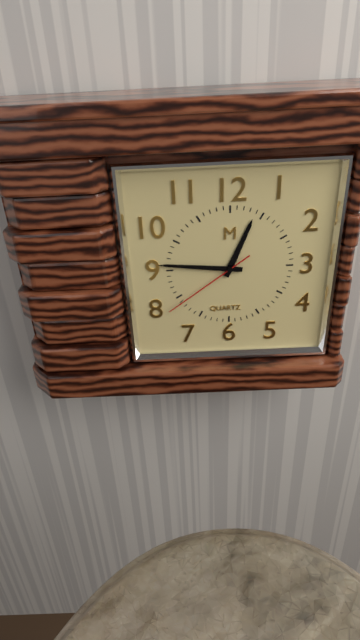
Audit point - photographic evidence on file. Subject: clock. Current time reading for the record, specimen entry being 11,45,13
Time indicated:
12,46,39
